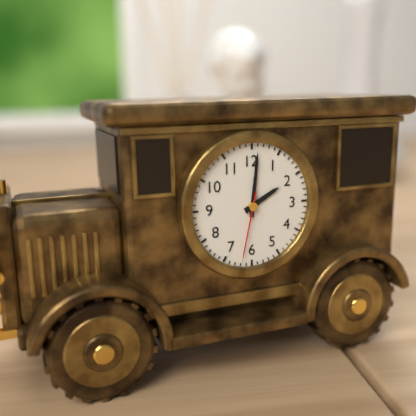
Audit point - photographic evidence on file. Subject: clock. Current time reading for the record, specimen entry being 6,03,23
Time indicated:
2,01,32
